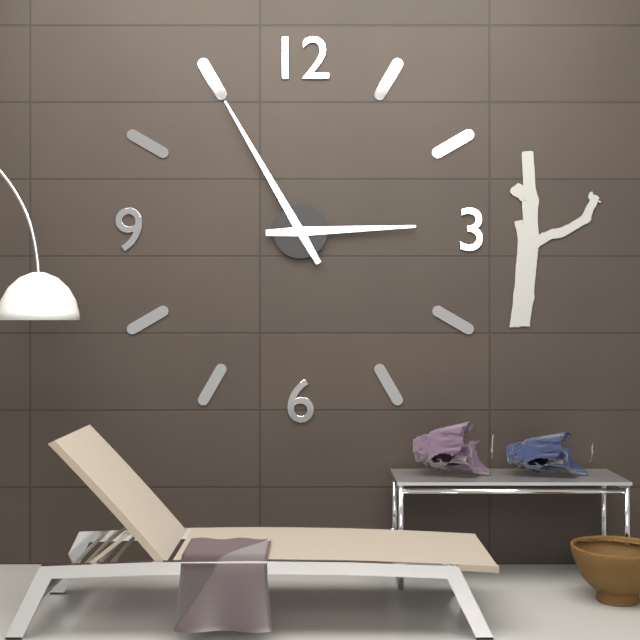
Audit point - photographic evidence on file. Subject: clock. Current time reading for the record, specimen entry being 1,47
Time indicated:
2,55
